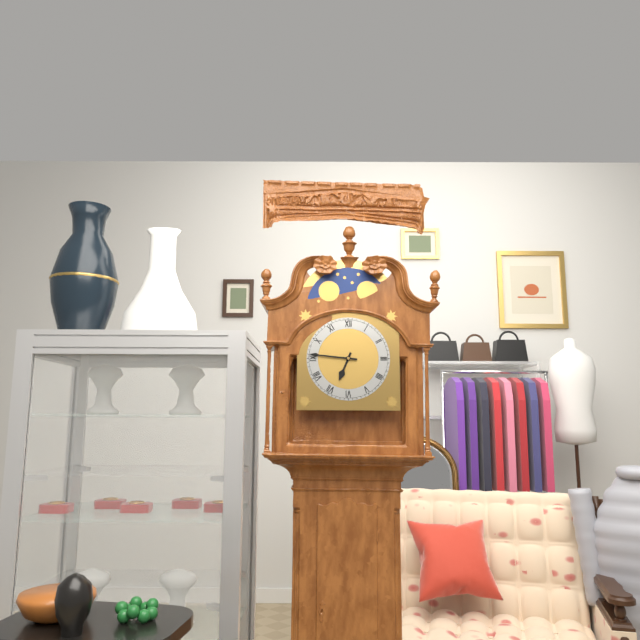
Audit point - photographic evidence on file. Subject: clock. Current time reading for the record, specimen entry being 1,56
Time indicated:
6,46
